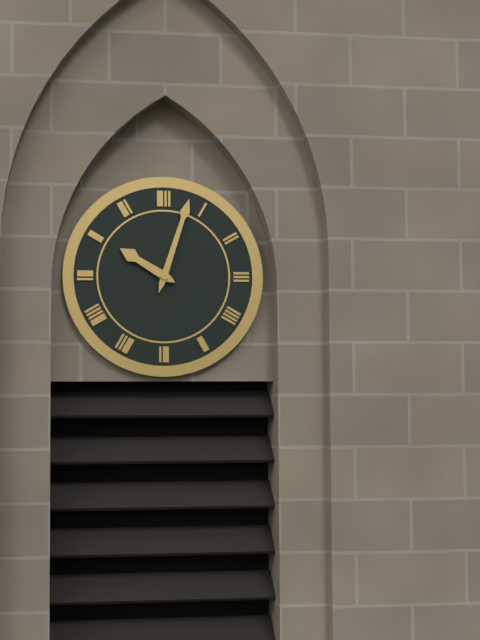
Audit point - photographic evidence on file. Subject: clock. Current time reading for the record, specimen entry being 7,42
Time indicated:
10,03
